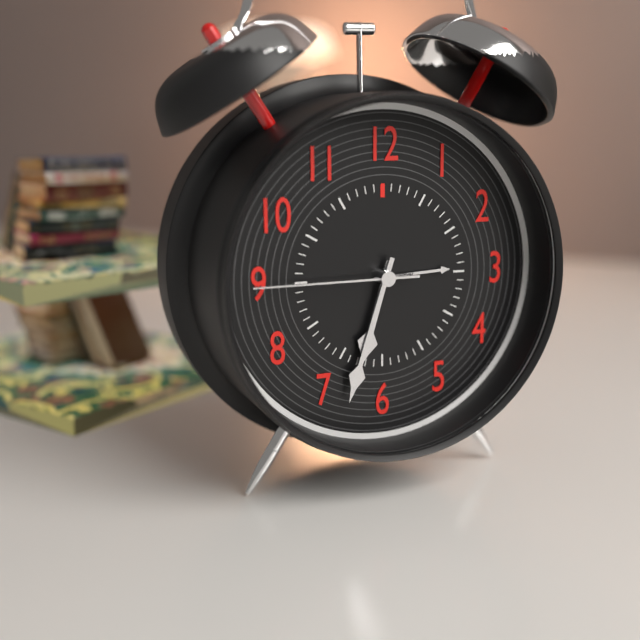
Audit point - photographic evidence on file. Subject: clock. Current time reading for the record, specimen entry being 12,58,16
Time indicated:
6,33,45
